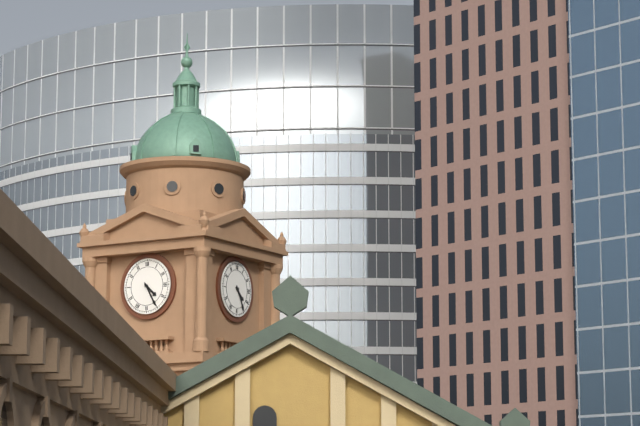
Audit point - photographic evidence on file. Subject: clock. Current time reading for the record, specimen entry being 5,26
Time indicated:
4,25
